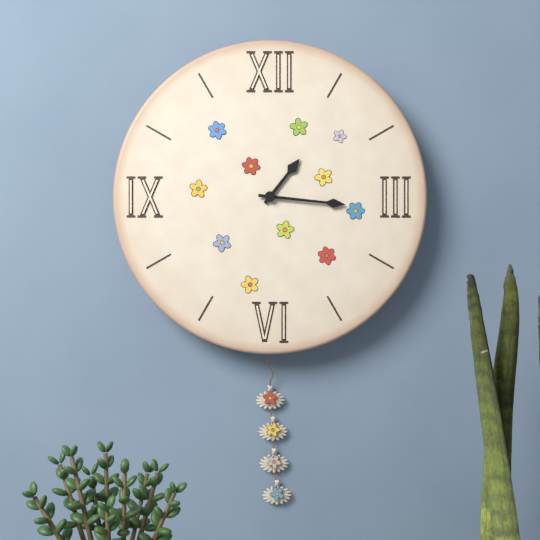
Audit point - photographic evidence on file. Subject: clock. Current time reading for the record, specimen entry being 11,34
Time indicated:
1,16
